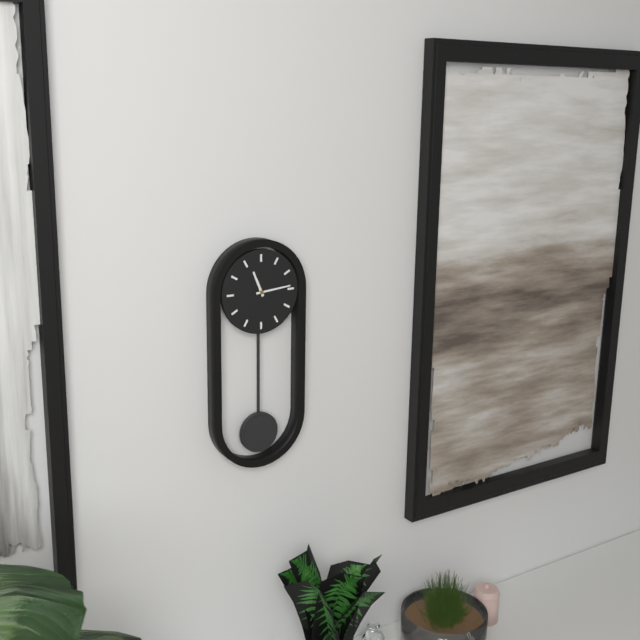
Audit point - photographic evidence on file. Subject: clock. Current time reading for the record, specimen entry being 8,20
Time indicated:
11,14
